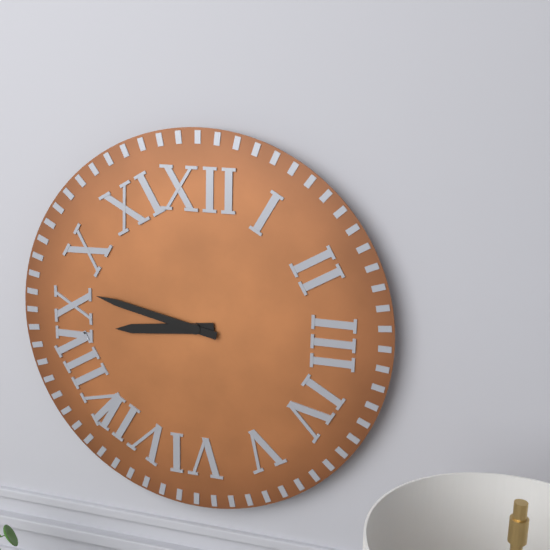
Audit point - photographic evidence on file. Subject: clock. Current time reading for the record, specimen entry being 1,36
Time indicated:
8,47
